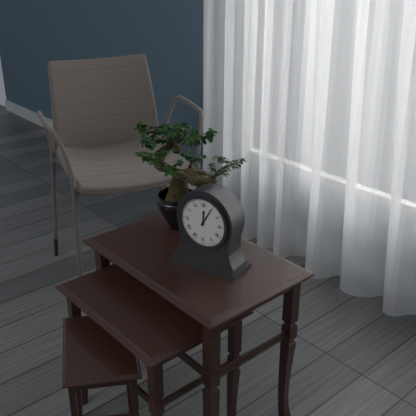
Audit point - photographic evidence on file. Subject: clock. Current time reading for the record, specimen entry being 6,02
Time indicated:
12,05
